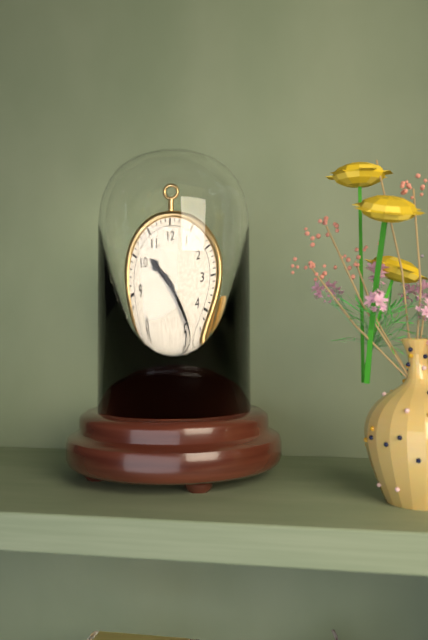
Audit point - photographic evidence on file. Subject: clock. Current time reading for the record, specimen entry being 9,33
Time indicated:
10,24
